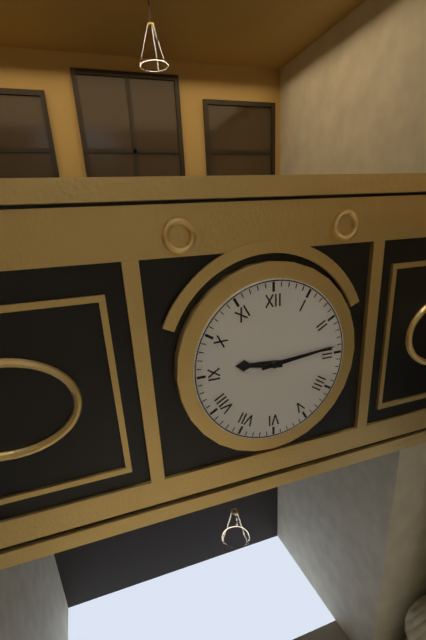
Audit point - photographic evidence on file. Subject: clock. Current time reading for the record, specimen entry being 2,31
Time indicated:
9,14
